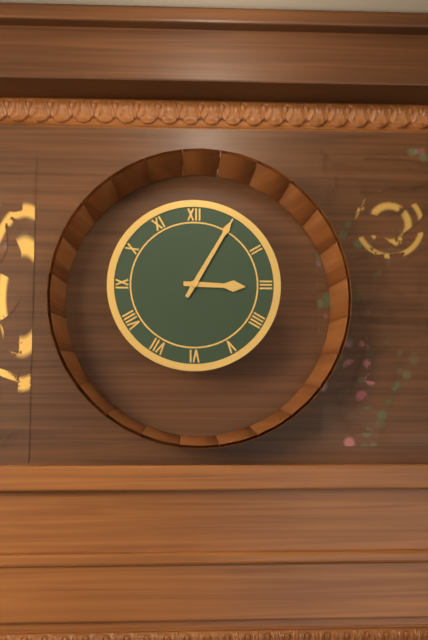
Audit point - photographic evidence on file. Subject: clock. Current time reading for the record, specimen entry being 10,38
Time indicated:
3,05
